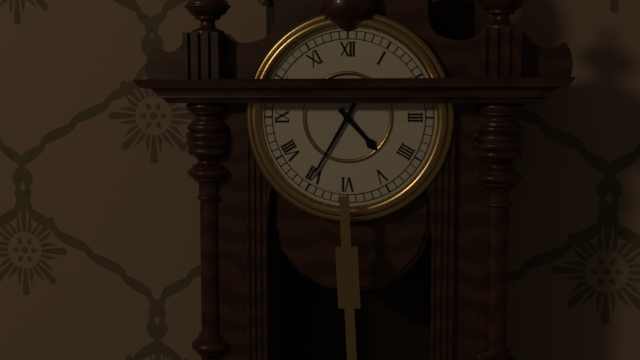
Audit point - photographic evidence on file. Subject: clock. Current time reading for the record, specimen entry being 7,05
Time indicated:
4,35
